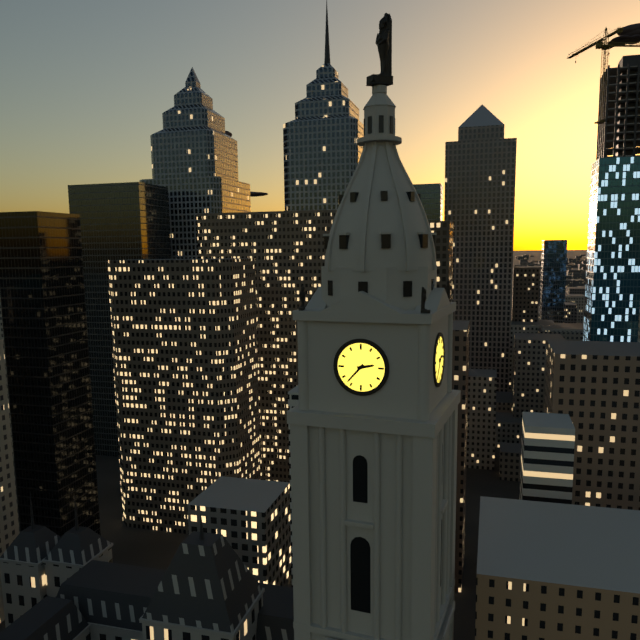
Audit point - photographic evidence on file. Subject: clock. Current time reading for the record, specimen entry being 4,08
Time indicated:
2,37
